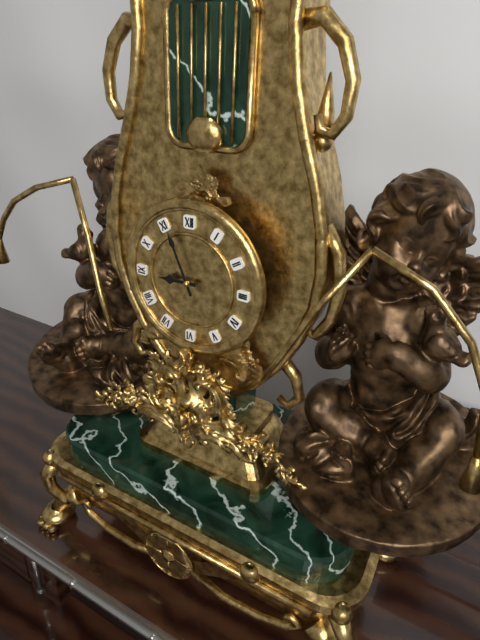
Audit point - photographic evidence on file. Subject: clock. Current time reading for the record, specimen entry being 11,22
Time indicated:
8,56
